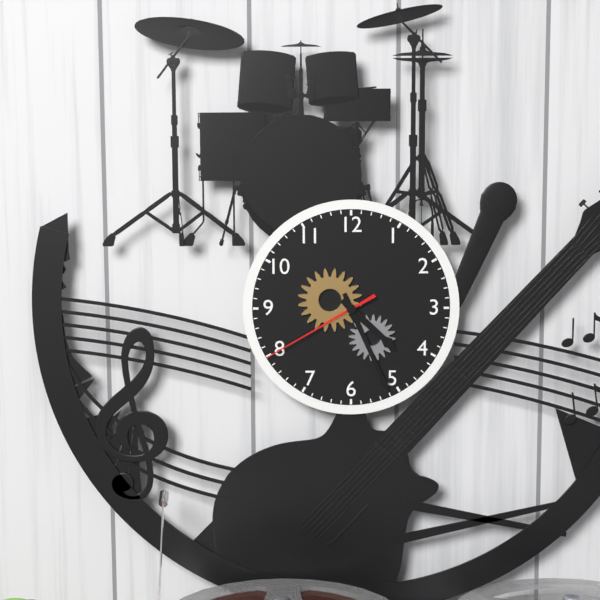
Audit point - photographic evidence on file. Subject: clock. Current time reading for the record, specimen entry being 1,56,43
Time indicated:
4,26,40
